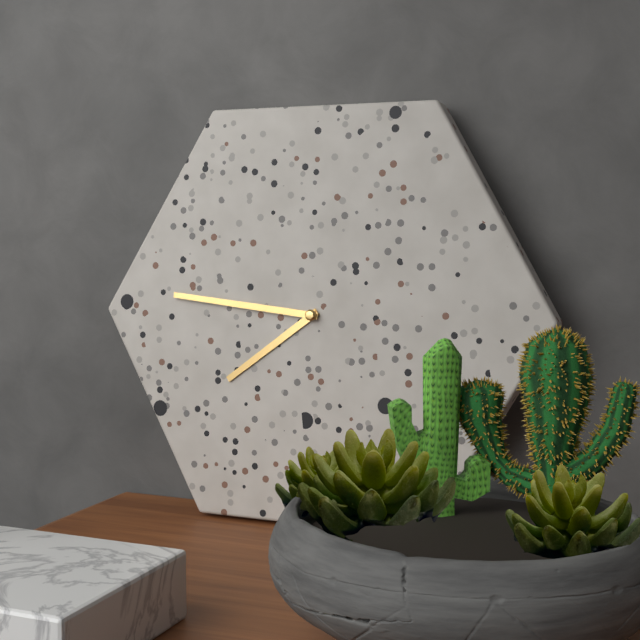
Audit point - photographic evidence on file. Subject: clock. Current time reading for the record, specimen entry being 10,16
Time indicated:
7,46
